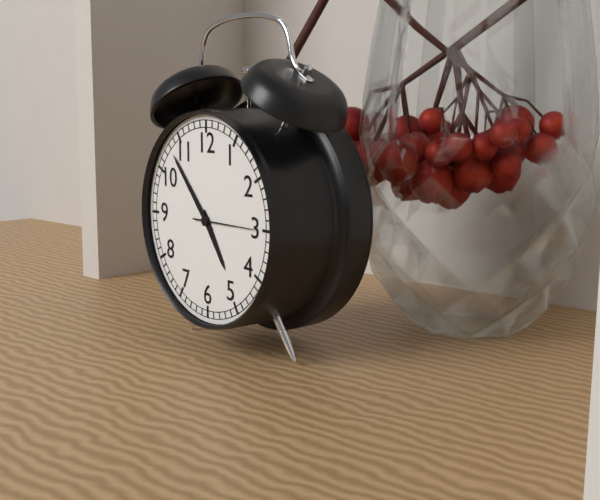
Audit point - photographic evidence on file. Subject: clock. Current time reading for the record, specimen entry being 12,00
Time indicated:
4,53
